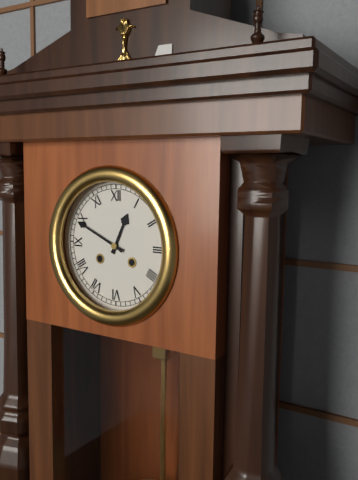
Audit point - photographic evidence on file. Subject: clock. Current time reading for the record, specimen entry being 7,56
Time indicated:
12,49
